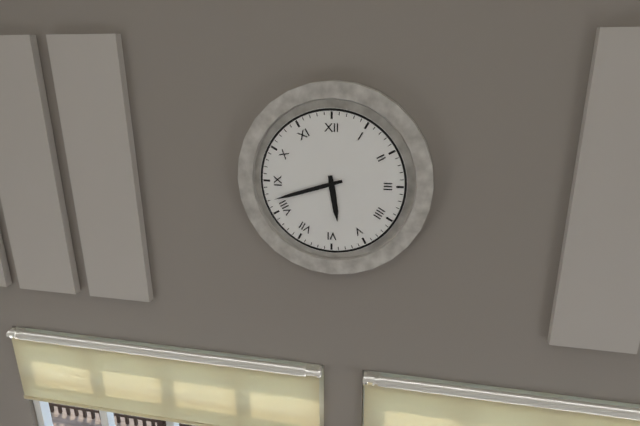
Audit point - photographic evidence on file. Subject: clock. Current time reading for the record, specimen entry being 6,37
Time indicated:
5,42
